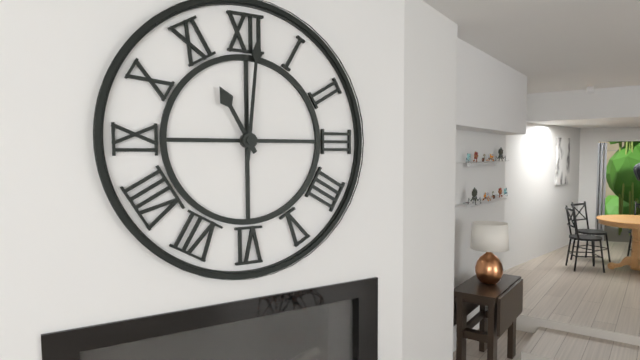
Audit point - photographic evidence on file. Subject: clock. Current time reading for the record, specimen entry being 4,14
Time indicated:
11,01
